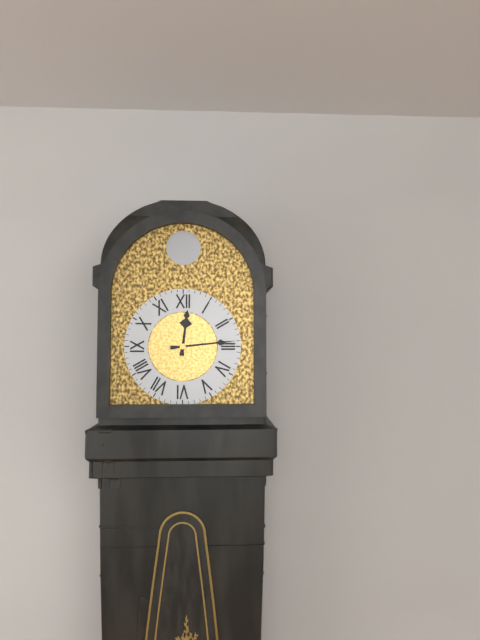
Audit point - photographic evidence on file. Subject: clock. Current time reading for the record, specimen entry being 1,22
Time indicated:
12,14
